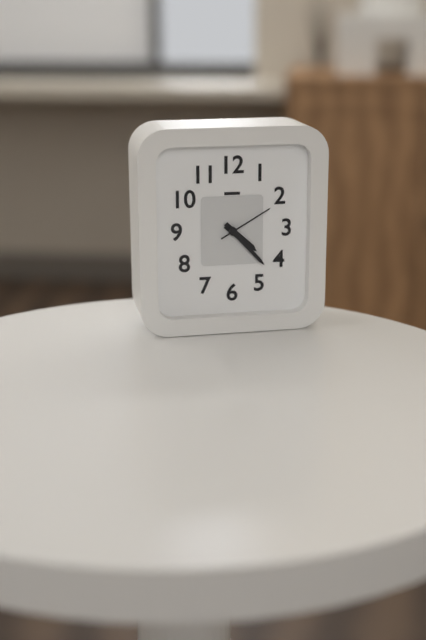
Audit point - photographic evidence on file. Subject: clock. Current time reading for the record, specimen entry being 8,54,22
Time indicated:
4,23,10
